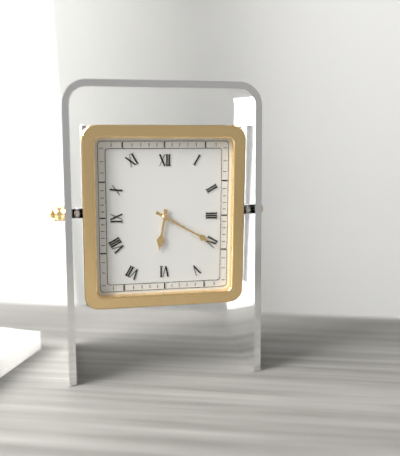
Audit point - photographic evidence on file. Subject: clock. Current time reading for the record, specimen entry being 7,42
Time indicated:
6,20
